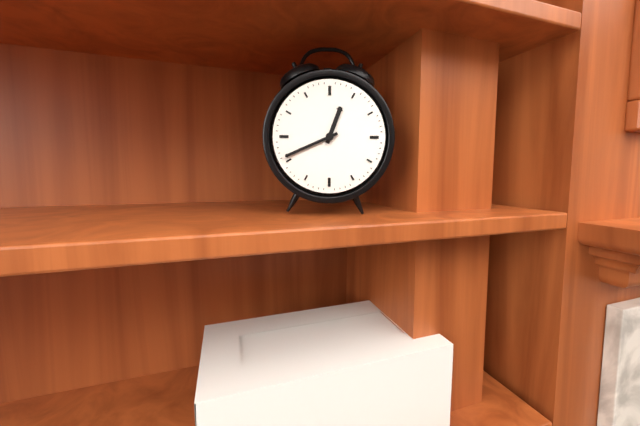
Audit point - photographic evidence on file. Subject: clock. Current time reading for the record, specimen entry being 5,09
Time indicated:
12,41
